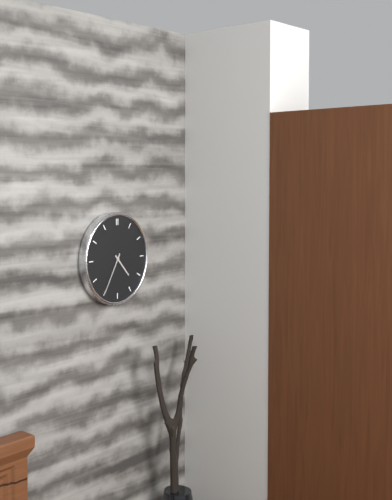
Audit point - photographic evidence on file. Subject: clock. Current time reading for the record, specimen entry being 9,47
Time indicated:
4,35
